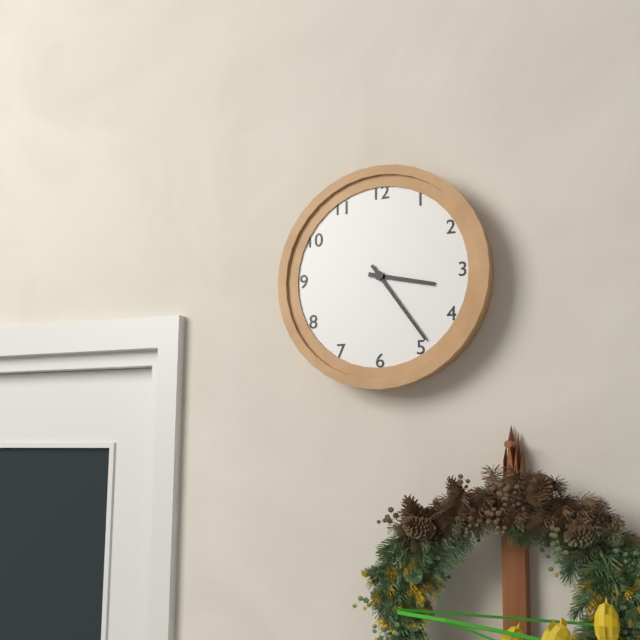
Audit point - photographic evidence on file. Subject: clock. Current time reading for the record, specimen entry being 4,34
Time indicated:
3,24
